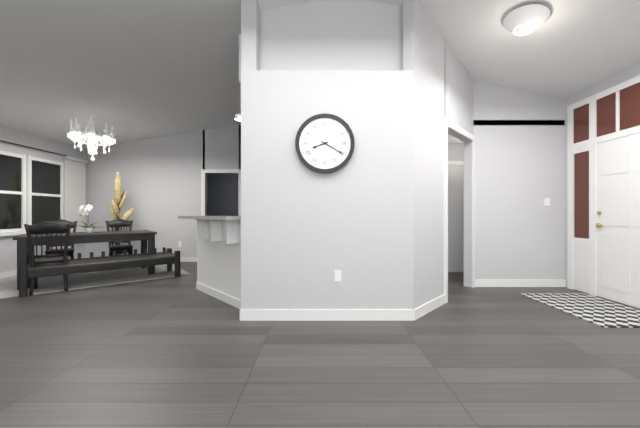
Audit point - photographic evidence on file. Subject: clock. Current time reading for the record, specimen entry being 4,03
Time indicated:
8,20
